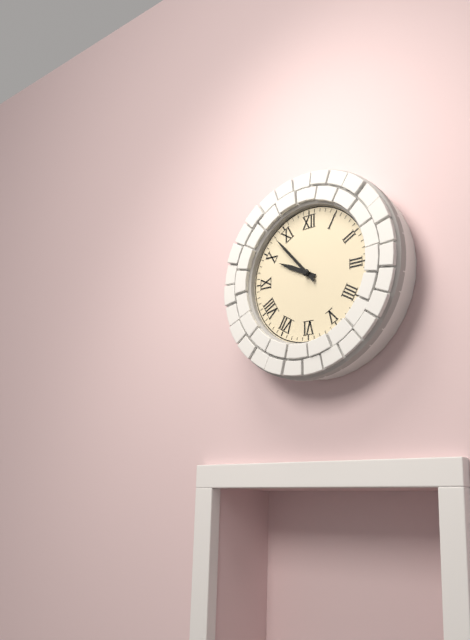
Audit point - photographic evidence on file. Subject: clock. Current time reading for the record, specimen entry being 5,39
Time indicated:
9,53
